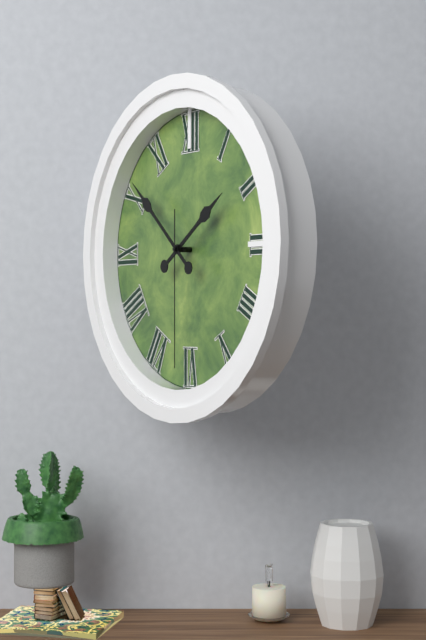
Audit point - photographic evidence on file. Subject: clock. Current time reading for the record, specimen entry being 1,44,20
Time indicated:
1,52,30
